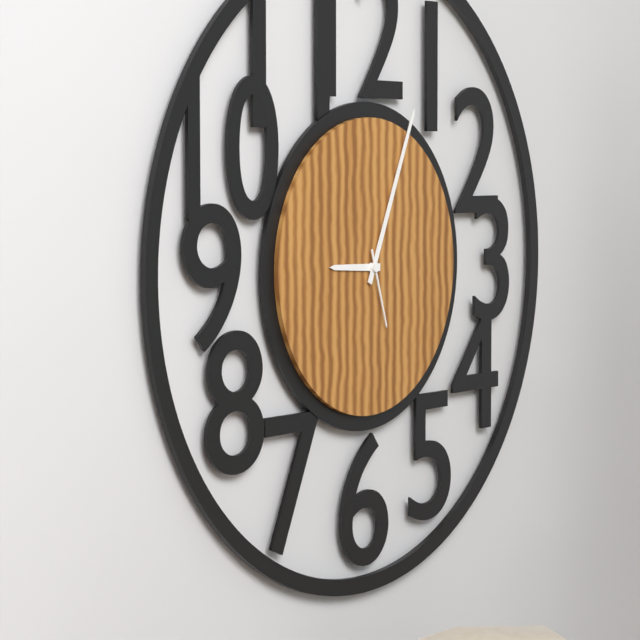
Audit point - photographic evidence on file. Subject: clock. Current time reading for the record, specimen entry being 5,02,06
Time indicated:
9,04,27
